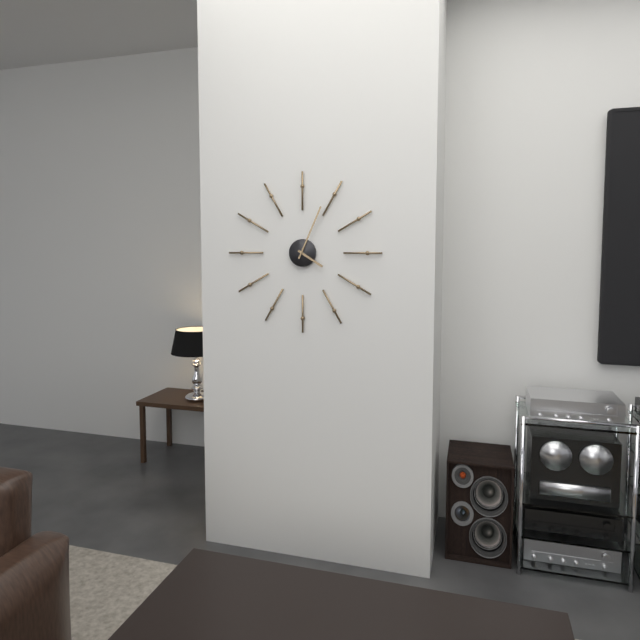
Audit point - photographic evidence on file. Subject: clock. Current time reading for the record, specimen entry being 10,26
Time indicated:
4,04
